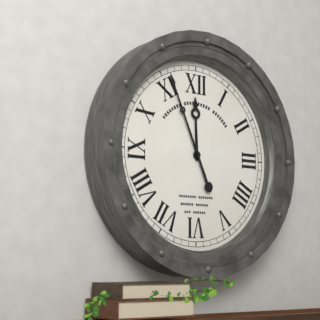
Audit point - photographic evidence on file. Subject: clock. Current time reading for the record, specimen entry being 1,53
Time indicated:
11,56
